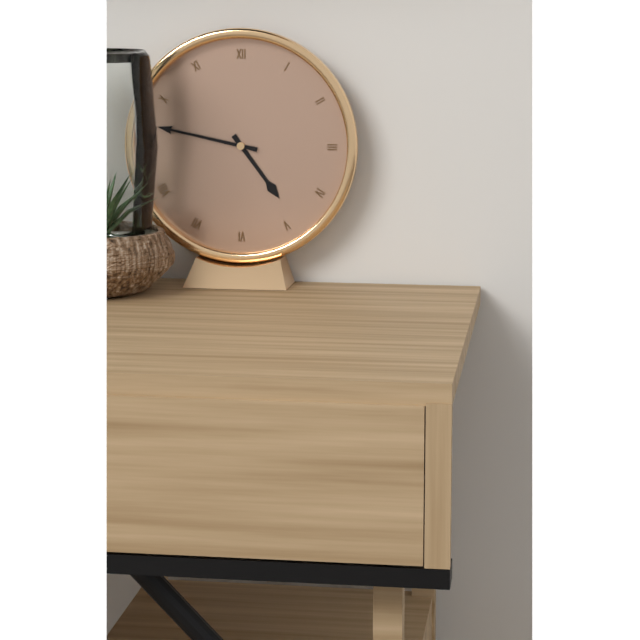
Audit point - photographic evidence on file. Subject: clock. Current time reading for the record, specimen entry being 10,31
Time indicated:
4,47
